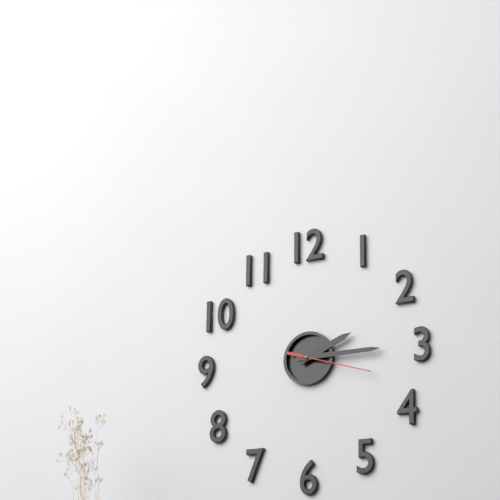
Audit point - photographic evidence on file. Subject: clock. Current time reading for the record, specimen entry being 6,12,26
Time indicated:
2,15,18
